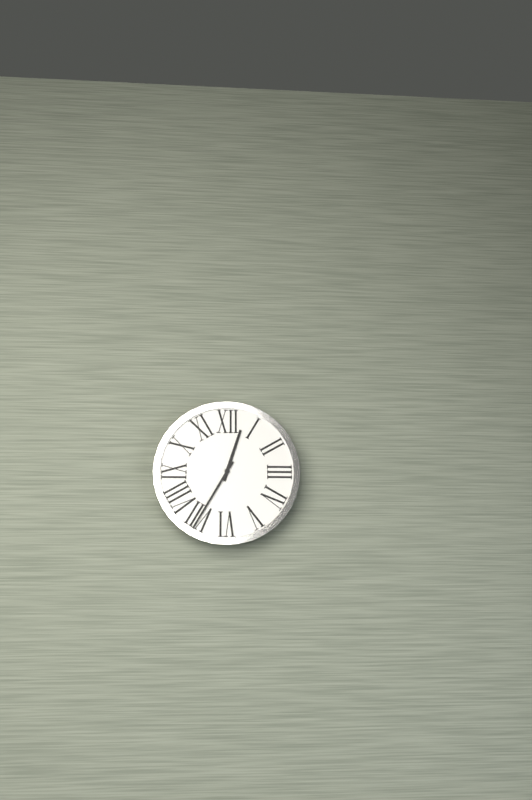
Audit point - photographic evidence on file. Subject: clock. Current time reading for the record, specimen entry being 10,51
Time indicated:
12,35
